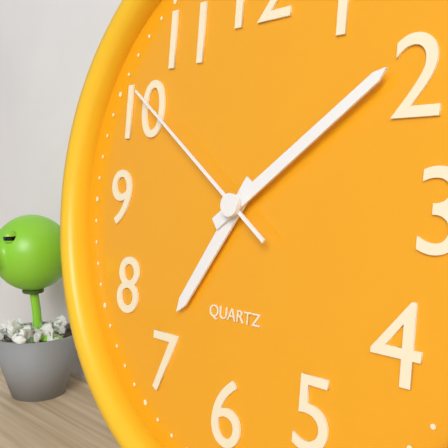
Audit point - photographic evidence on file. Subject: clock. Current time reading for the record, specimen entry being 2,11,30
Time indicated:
7,09,51
